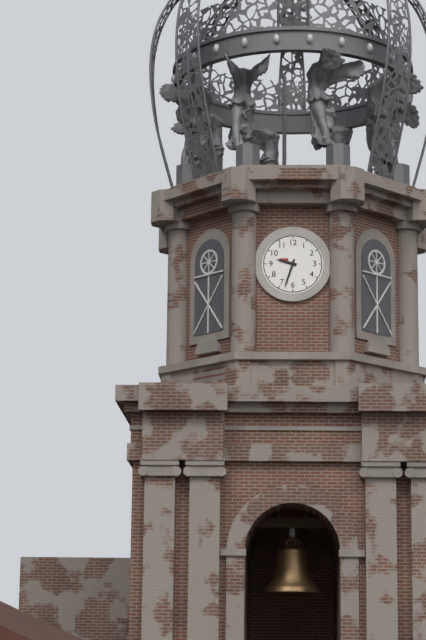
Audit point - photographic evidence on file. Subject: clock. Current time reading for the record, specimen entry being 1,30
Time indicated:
9,33
